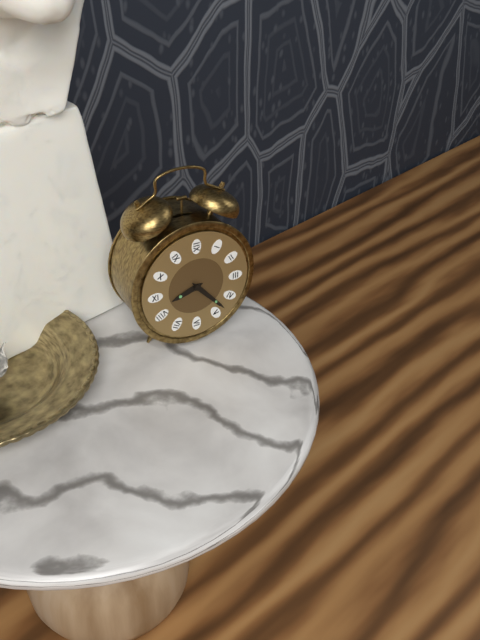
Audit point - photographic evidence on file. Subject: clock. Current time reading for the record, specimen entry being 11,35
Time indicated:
8,23
